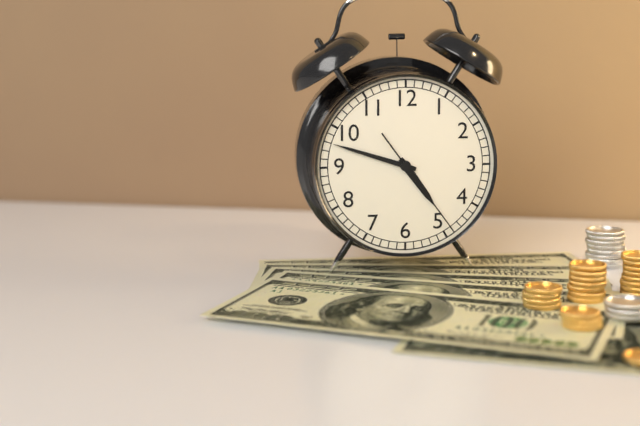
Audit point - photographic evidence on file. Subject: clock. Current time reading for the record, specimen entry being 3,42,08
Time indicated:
4,48,24
